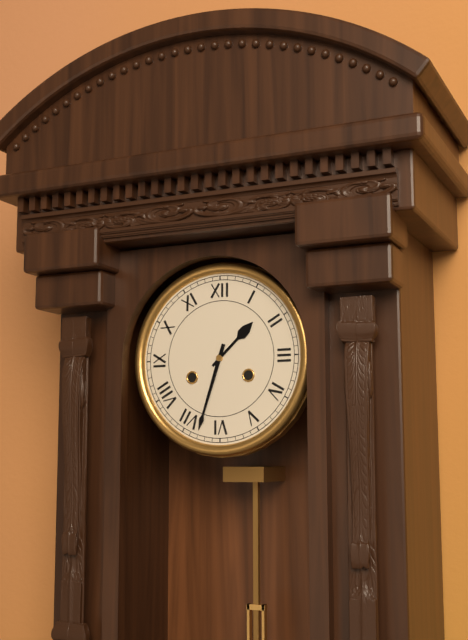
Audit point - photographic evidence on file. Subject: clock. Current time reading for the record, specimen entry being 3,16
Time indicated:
1,33
